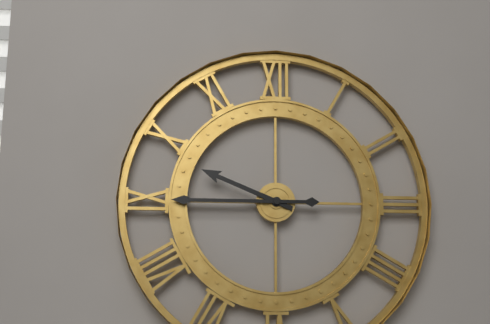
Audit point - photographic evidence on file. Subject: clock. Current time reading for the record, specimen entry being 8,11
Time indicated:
9,45
